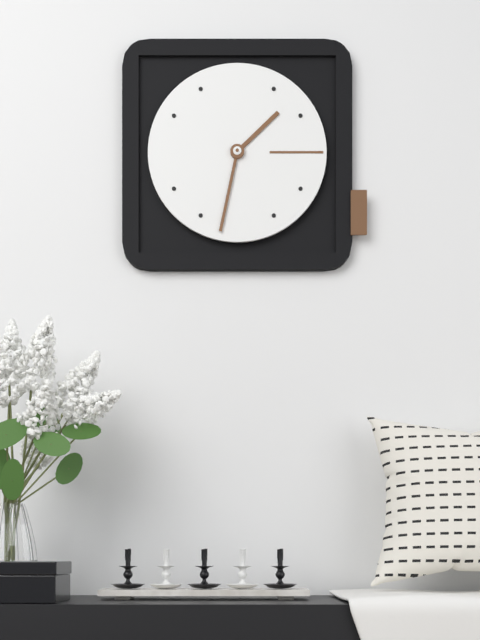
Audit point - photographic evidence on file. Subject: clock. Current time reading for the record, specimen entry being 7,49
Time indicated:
1,32
